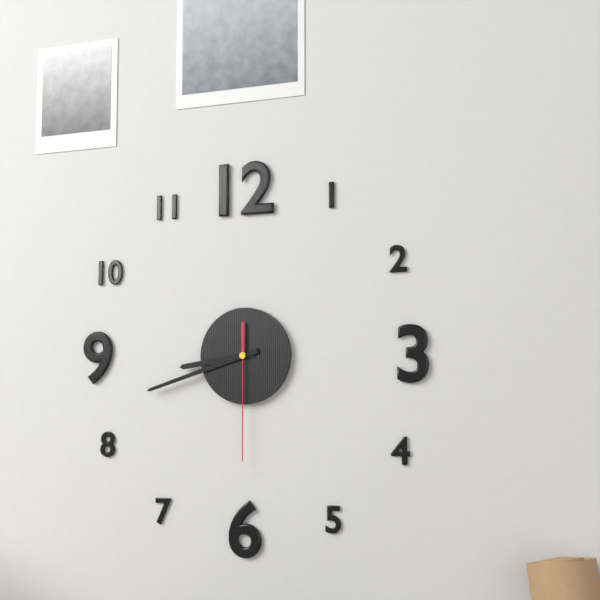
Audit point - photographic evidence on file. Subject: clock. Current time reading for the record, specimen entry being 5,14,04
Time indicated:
8,42,30
